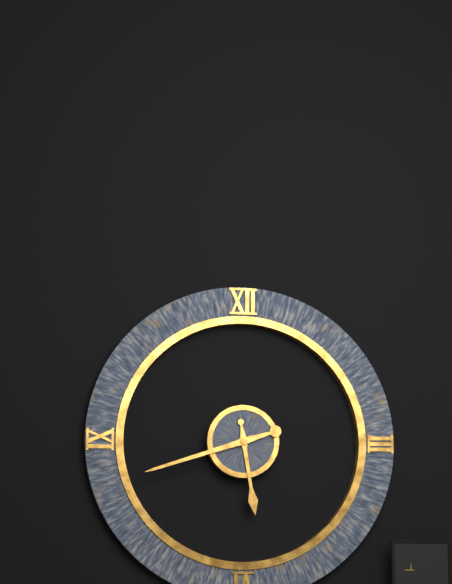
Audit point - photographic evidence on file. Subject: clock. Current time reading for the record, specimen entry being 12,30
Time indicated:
5,42
